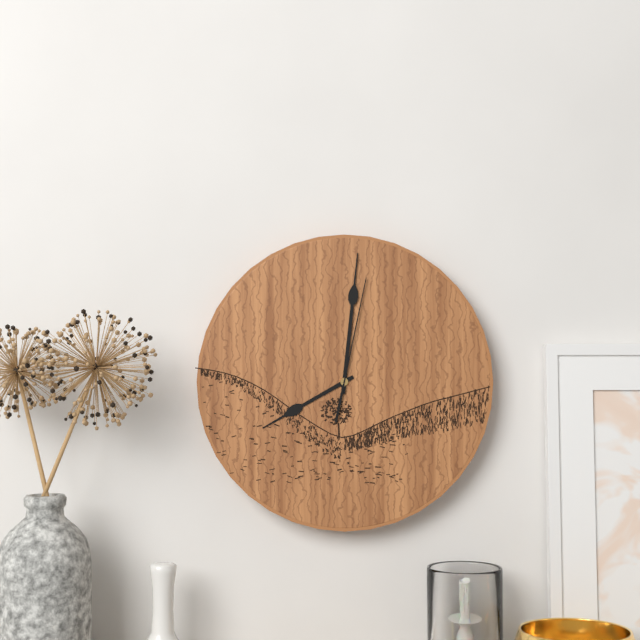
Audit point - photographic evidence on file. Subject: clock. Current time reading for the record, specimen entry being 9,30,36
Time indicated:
8,01,02
